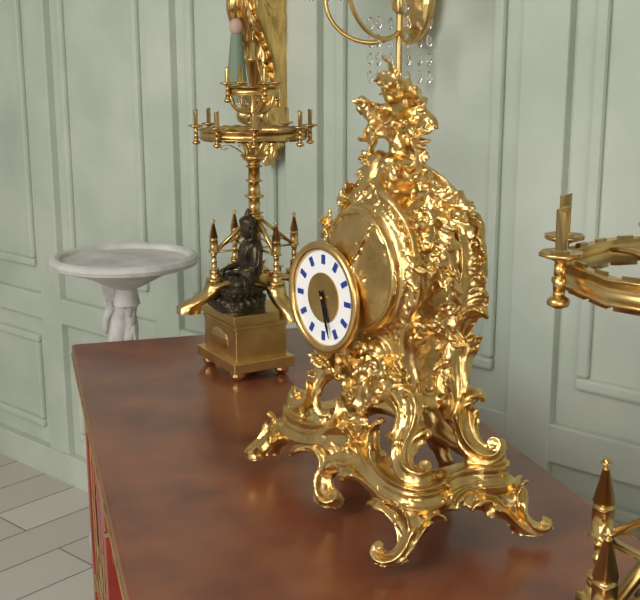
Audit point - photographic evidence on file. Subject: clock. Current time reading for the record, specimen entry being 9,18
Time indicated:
5,27
